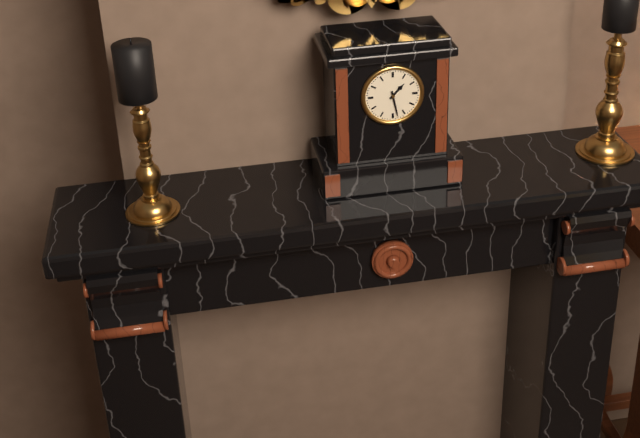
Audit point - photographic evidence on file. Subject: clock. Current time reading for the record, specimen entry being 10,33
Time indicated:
1,28
